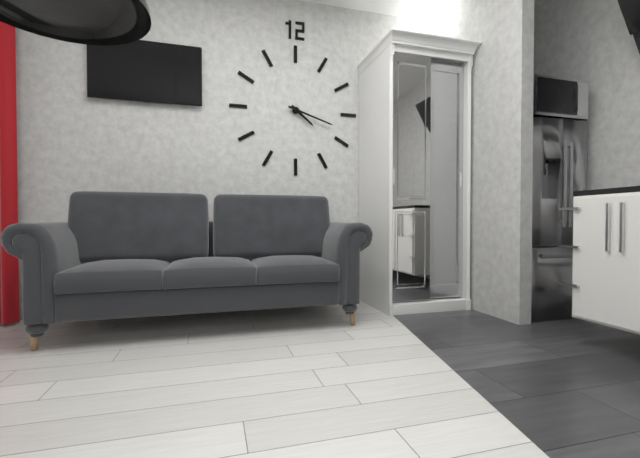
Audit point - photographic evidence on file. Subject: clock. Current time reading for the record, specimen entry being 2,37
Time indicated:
4,18
